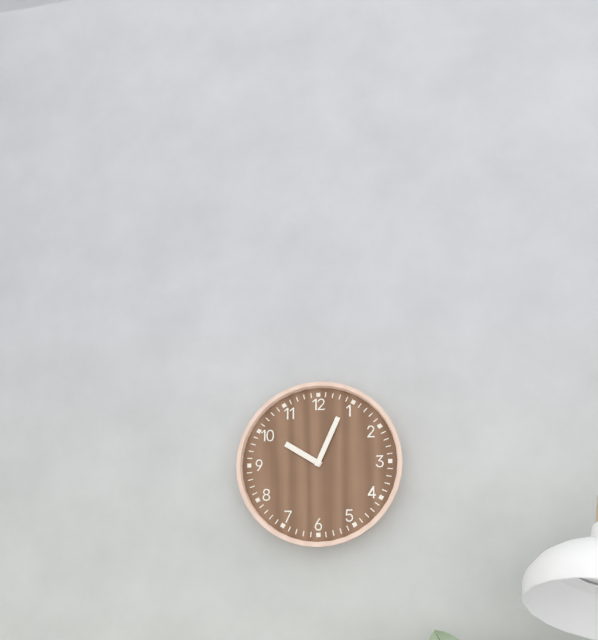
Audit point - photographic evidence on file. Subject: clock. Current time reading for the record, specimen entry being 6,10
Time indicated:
10,04
